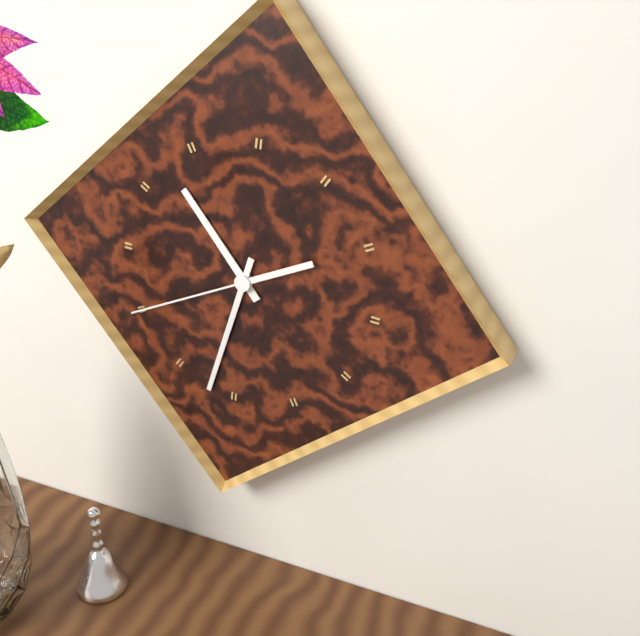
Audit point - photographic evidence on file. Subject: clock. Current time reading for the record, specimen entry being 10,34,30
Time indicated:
10,32,40
